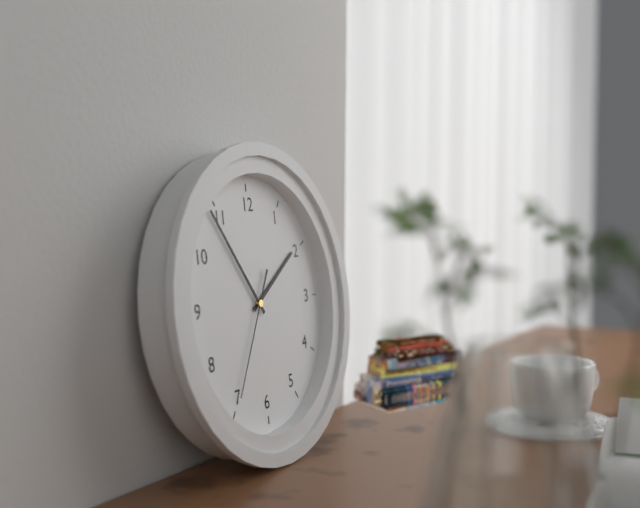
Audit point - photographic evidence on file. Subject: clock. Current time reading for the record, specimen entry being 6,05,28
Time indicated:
1,54,35
